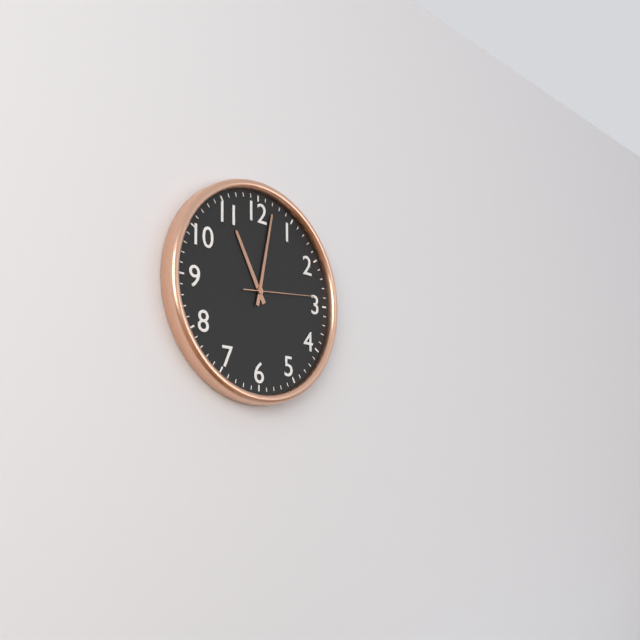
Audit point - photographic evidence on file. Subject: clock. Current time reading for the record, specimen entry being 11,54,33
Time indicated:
11,02,14
